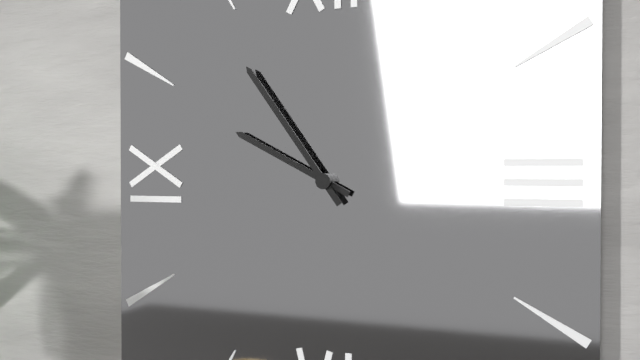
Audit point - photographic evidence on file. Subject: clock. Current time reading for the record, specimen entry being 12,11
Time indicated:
9,54
